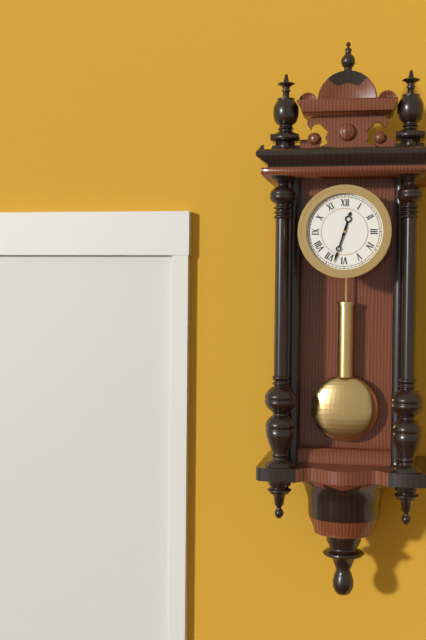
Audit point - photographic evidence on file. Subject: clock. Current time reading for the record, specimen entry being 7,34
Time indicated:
12,33
